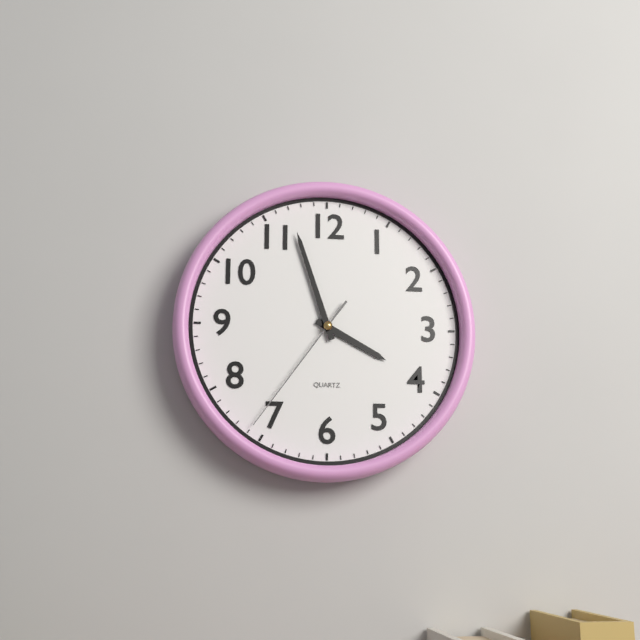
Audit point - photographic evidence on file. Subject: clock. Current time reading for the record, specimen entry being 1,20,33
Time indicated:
3,57,36
